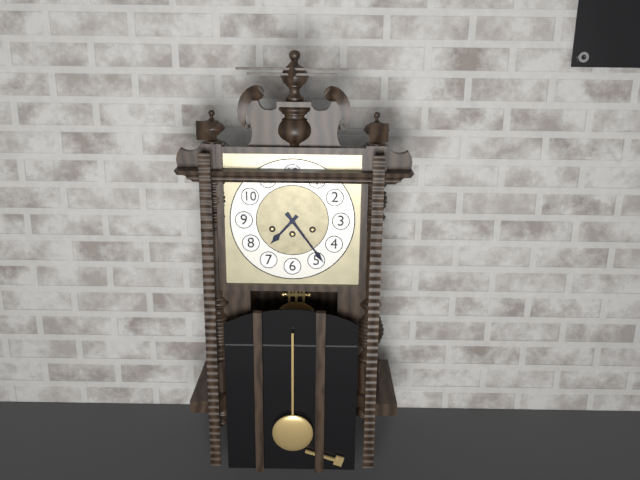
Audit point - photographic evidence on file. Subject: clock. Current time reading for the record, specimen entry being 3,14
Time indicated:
7,24
